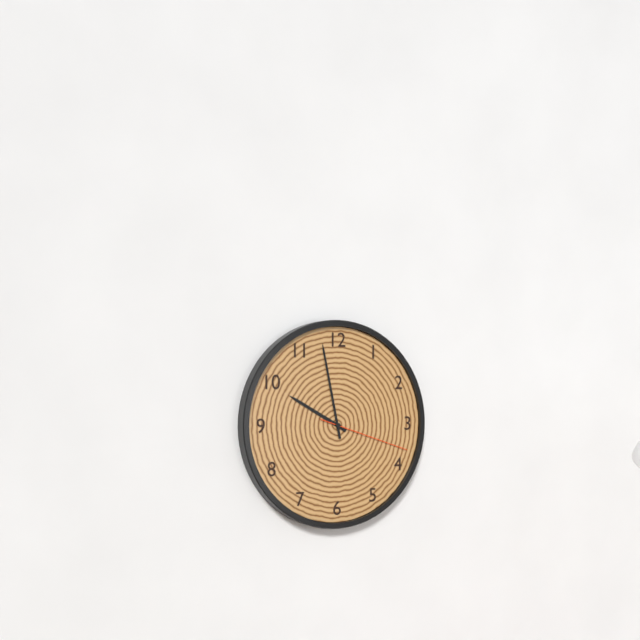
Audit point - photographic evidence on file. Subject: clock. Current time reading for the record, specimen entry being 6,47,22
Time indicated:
9,58,18
